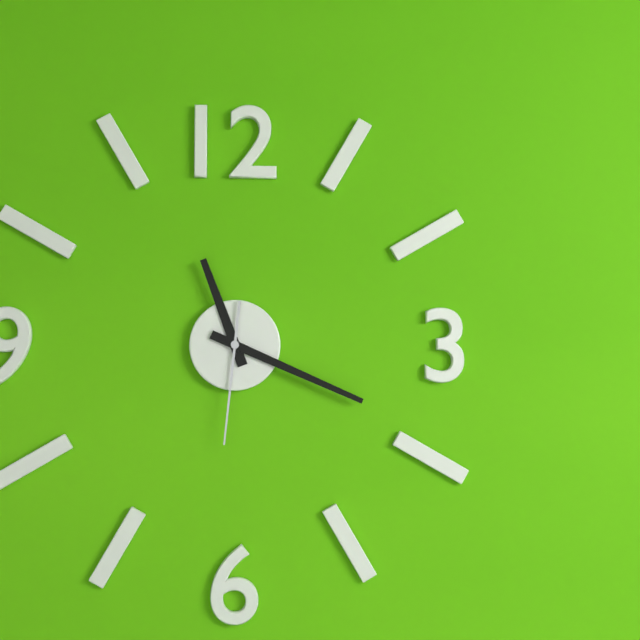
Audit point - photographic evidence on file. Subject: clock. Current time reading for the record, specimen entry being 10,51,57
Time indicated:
11,19,31
